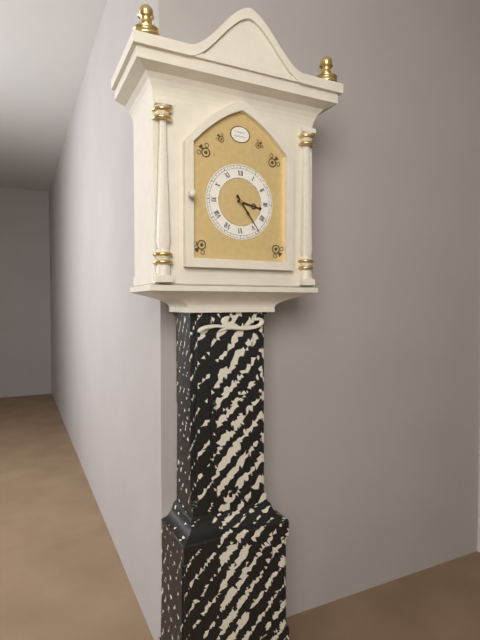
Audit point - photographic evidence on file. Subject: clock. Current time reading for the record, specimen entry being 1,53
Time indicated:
3,24
